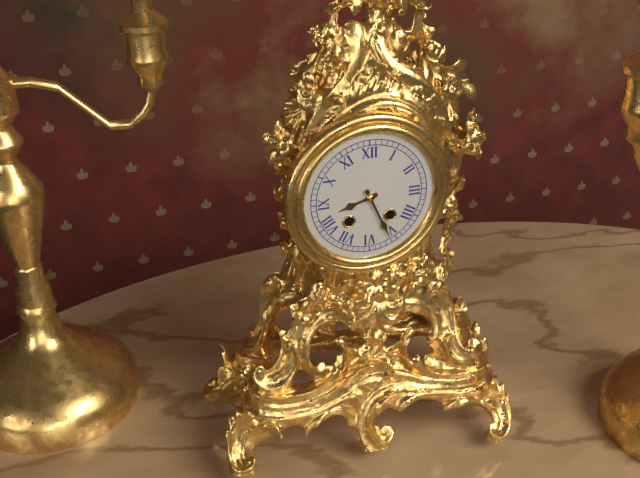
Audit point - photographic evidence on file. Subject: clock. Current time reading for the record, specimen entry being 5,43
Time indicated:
8,26
